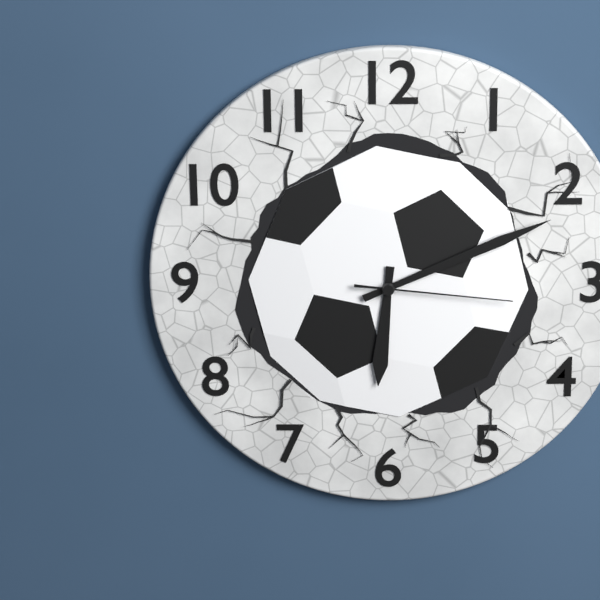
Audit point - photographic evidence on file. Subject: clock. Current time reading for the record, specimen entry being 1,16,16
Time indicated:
6,11,16
